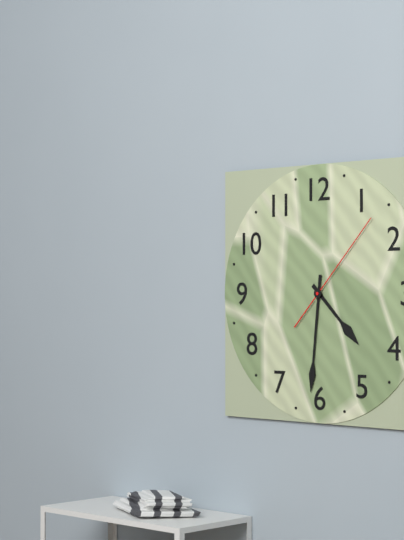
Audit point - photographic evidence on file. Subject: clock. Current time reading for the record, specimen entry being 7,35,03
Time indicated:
4,31,07
